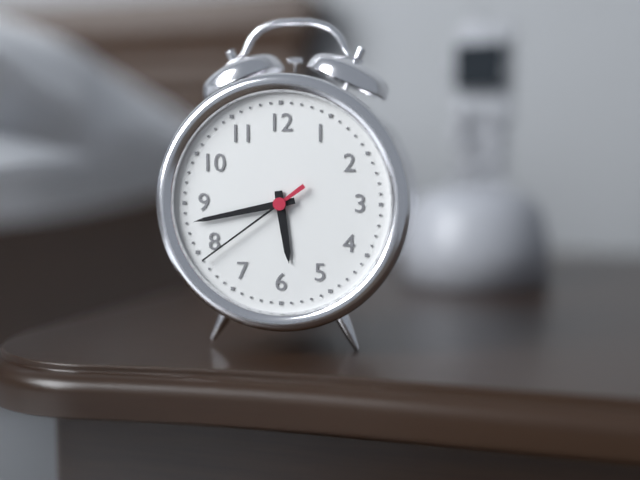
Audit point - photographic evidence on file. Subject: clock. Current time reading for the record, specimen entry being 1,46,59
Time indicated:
5,43,39
